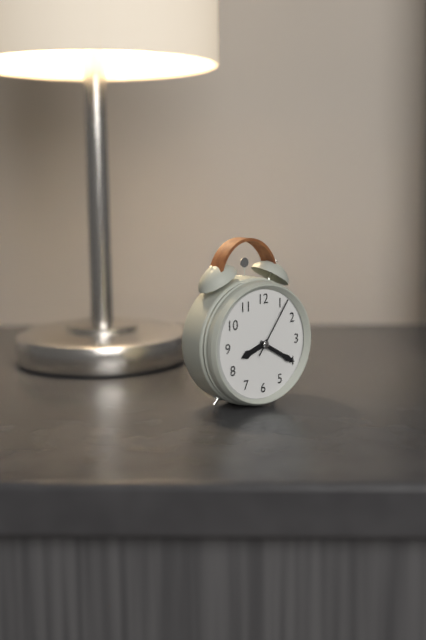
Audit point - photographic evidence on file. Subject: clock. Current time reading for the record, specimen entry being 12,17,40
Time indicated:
8,20,06
